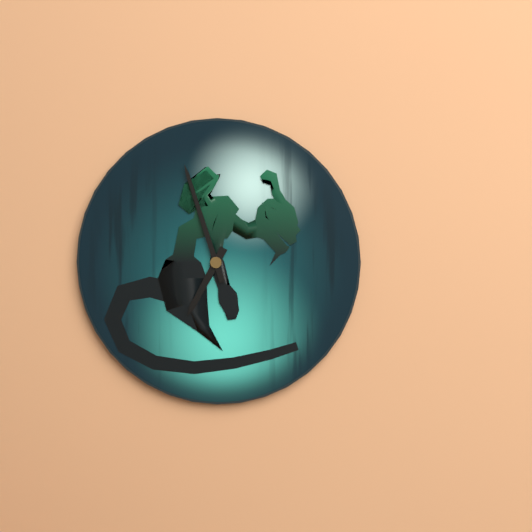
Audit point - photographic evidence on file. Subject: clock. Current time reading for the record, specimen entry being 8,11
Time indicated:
6,57
